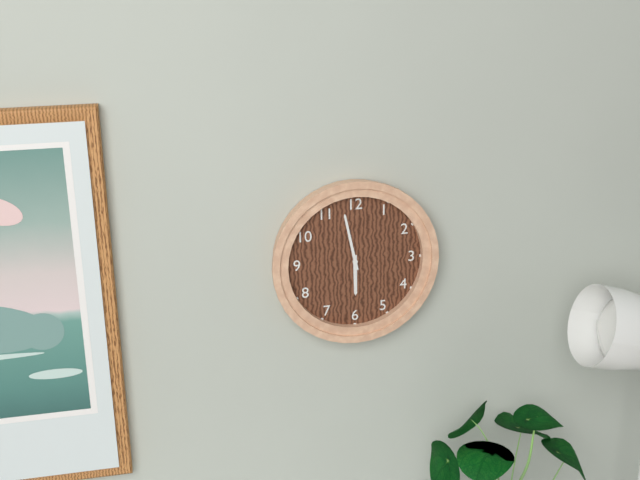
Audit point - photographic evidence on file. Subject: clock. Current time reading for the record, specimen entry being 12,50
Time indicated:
5,58
